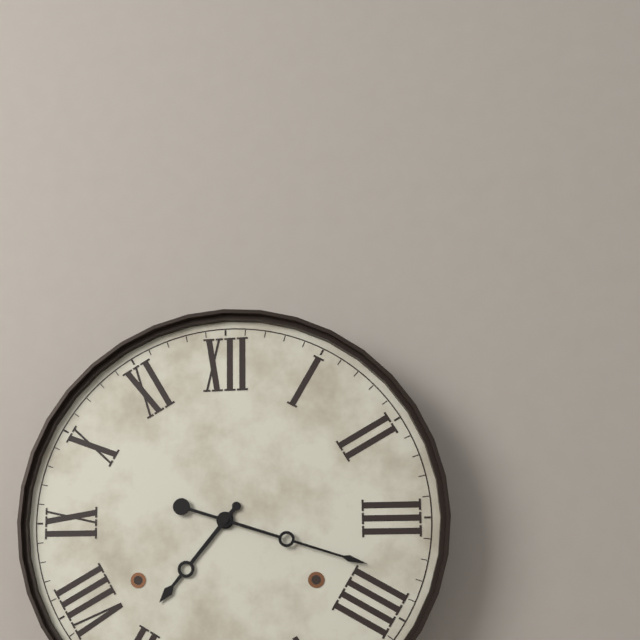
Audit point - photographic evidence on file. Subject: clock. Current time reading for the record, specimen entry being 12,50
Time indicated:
7,18
